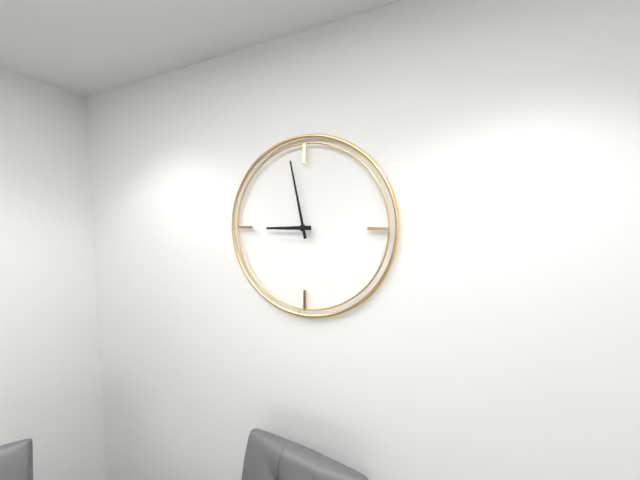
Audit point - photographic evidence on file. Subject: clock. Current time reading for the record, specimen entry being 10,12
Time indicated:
8,58
